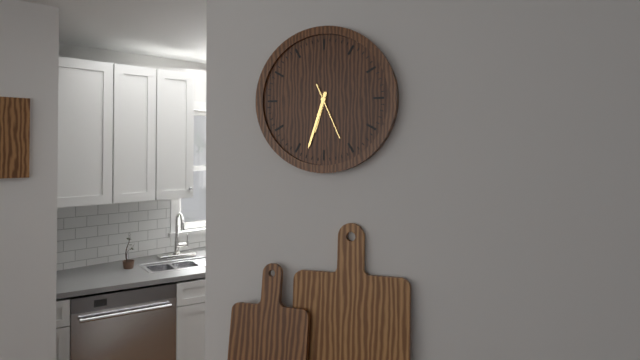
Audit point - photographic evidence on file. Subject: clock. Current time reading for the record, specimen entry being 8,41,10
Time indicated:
6,33,26
